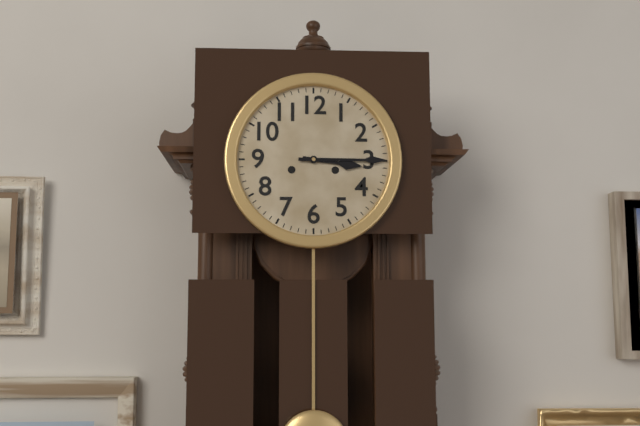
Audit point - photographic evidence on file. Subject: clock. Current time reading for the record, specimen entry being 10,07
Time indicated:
3,15
